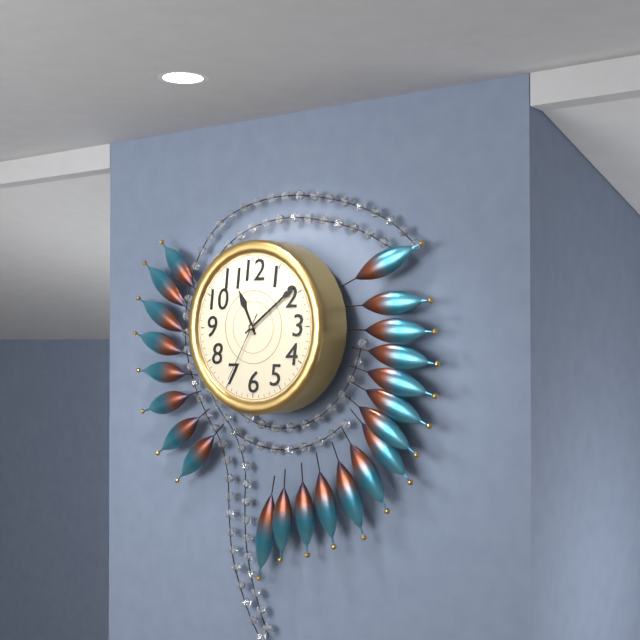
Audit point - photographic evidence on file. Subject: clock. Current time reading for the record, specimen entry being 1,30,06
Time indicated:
11,09,35
